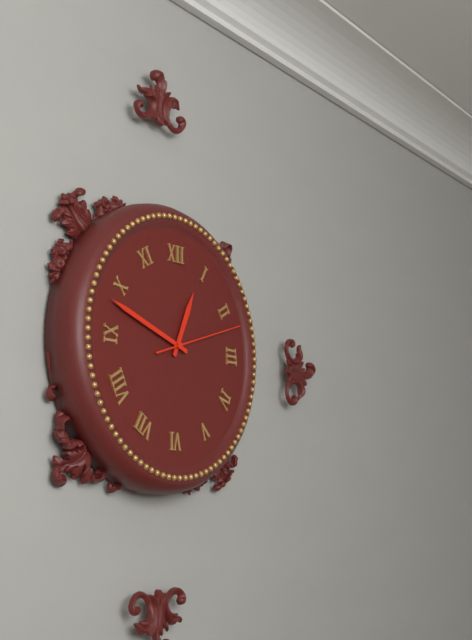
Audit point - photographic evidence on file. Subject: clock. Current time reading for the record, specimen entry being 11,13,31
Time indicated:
12,48,12
